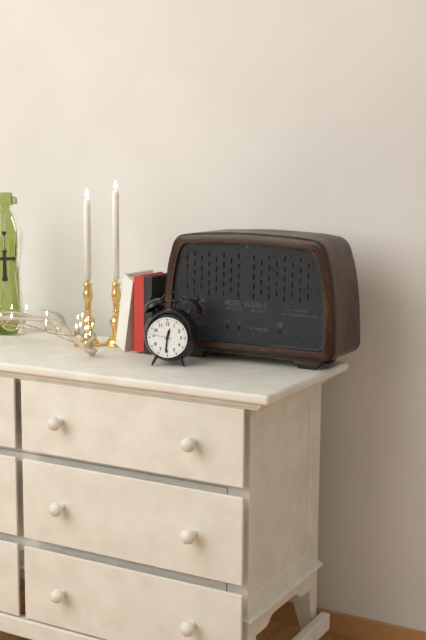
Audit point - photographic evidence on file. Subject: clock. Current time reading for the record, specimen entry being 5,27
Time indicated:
12,31
